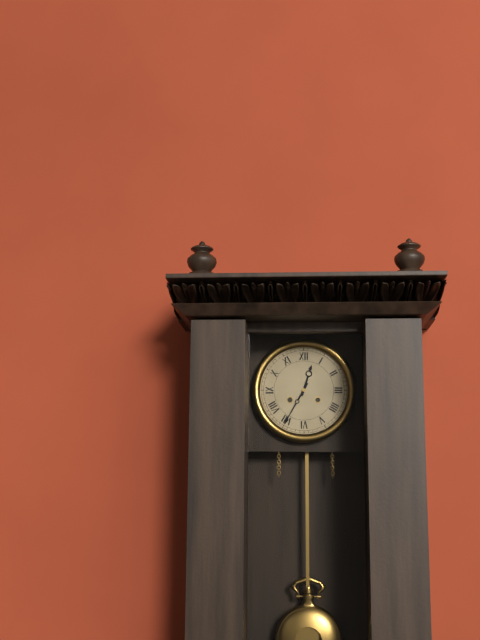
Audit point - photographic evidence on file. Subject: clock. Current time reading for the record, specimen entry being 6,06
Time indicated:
12,35
